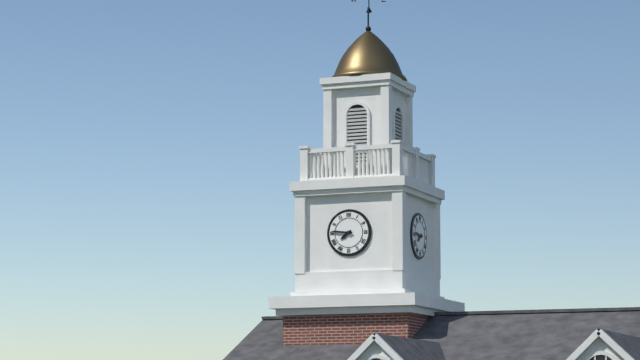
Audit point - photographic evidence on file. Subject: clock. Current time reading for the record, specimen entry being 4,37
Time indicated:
7,46
